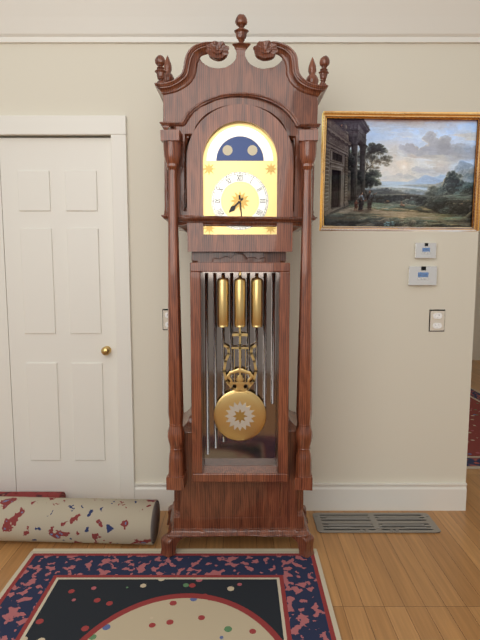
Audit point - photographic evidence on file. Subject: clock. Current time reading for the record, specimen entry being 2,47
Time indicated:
7,29
